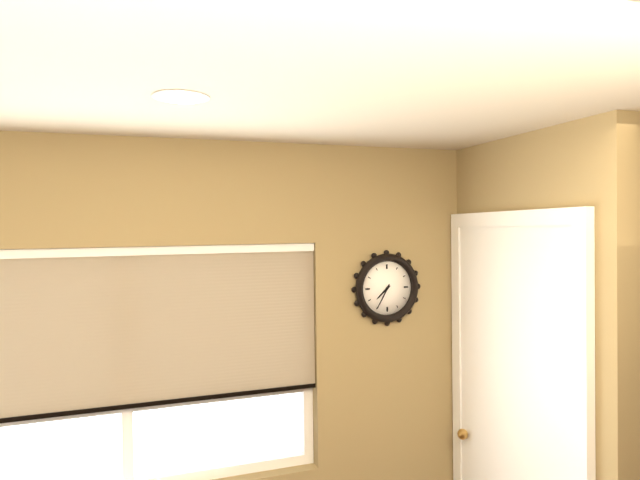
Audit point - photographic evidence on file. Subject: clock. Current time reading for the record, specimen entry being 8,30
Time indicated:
7,35
